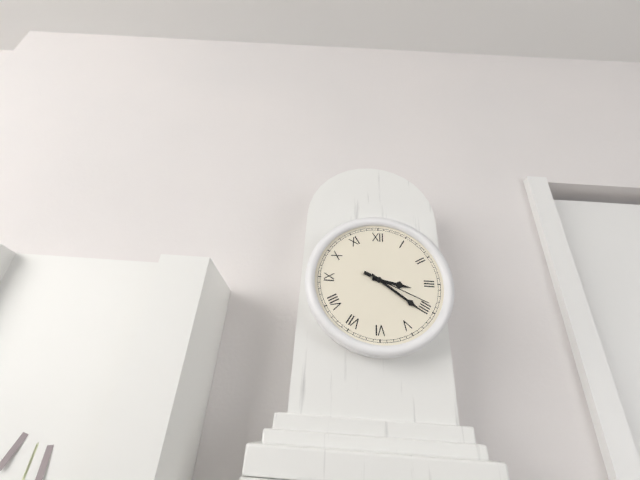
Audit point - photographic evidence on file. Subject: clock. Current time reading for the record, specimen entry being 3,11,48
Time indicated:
3,21,19
